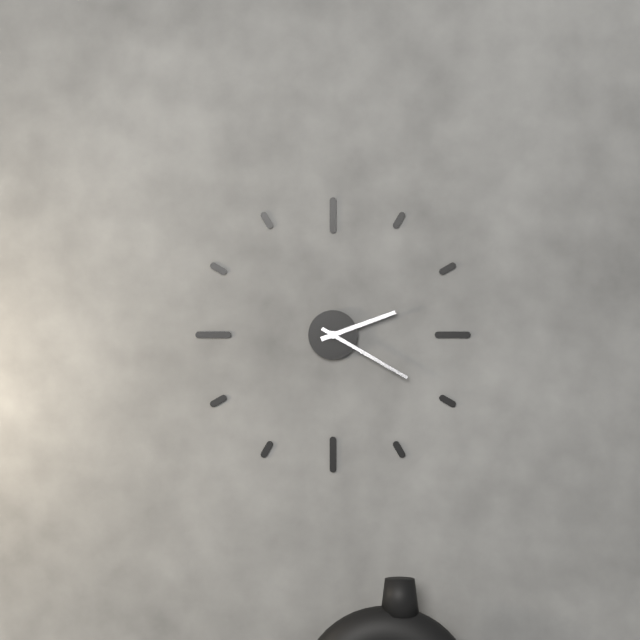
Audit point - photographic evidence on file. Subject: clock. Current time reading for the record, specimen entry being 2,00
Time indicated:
2,20
